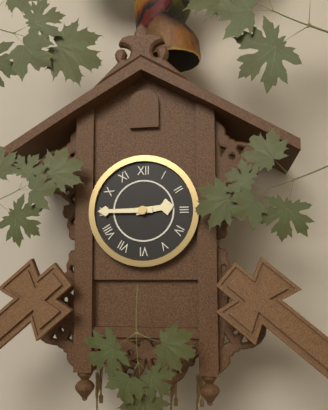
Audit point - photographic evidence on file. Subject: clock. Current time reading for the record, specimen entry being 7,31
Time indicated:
2,45
